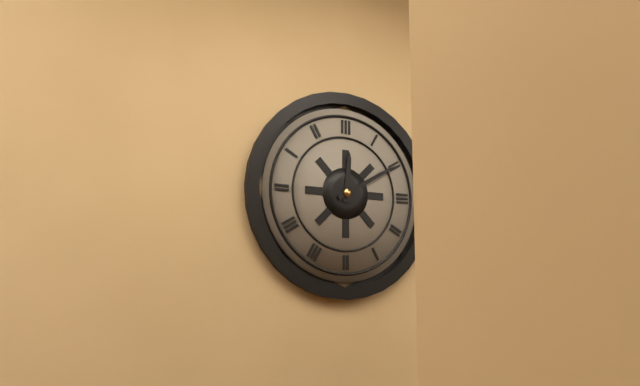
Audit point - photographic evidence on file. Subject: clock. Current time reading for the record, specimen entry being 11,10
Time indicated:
12,10
